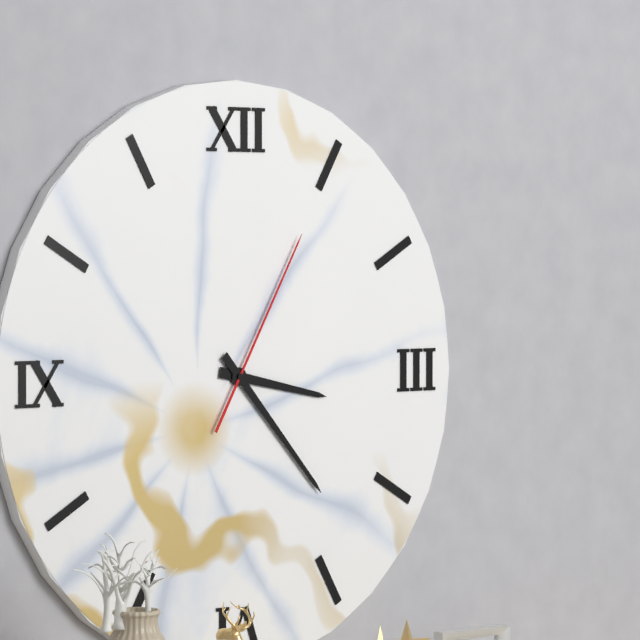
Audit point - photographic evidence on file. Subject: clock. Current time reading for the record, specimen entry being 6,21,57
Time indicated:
3,23,05
